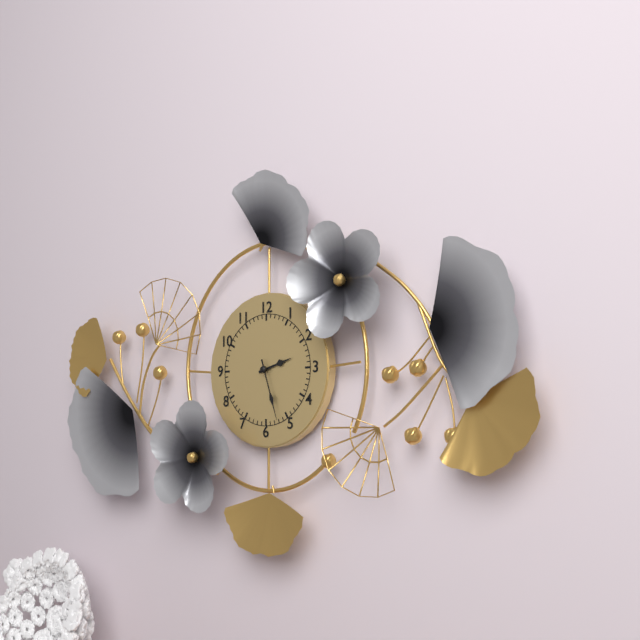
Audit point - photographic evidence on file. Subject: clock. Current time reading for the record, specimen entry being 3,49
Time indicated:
2,27
